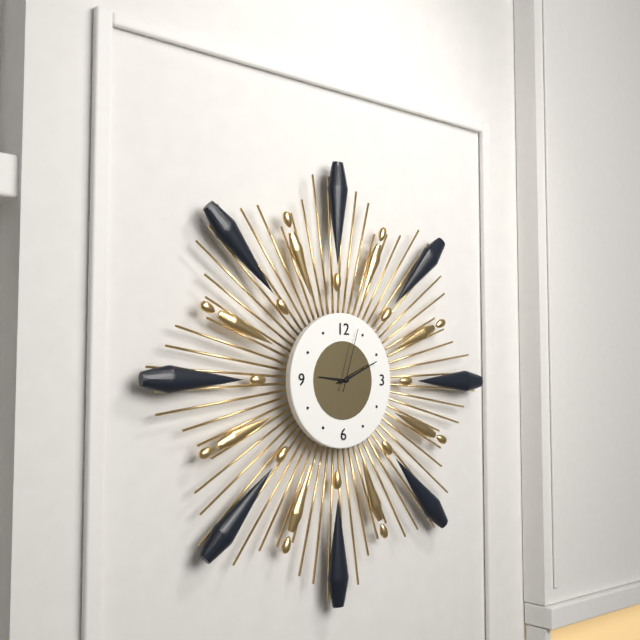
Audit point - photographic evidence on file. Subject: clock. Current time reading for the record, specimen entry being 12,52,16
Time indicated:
9,11,03
